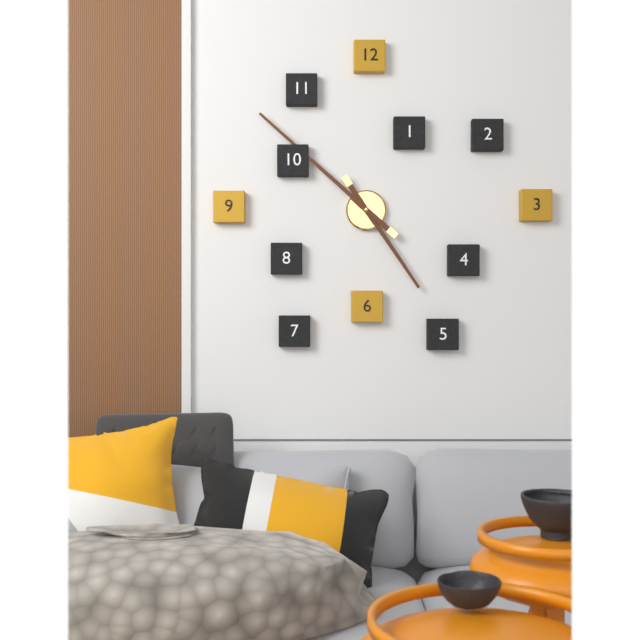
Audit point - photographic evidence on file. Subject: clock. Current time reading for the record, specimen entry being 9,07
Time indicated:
4,52
